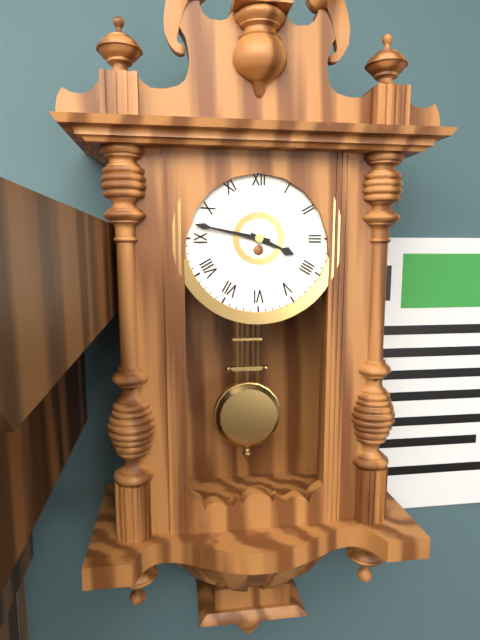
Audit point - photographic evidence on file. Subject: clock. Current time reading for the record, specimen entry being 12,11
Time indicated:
3,47
